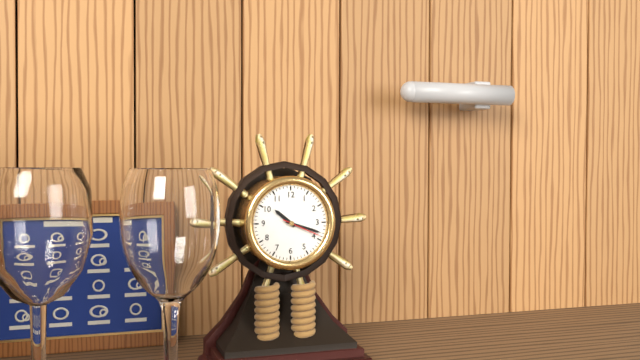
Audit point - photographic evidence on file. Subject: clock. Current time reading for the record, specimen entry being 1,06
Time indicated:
10,18
